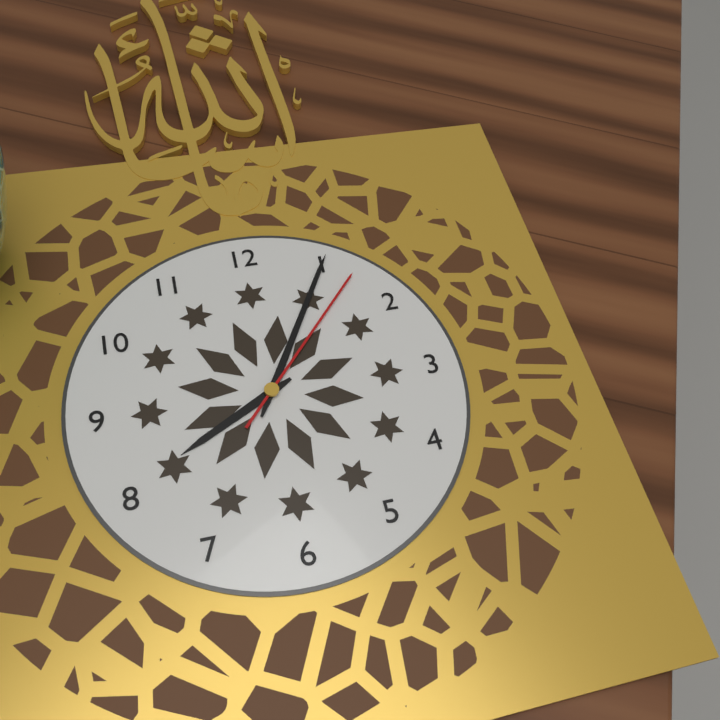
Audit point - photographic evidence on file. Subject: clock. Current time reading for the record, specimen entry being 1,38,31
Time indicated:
8,05,07
